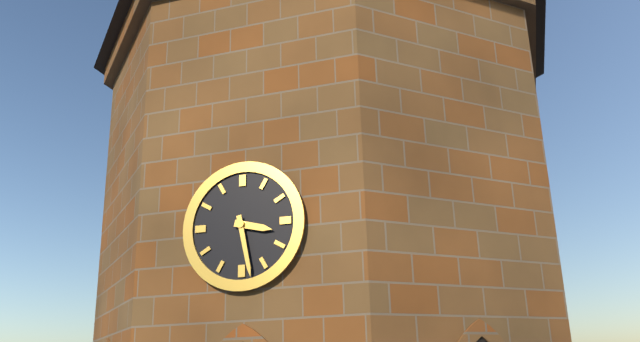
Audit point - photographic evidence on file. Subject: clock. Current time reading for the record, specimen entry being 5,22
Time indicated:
3,28
